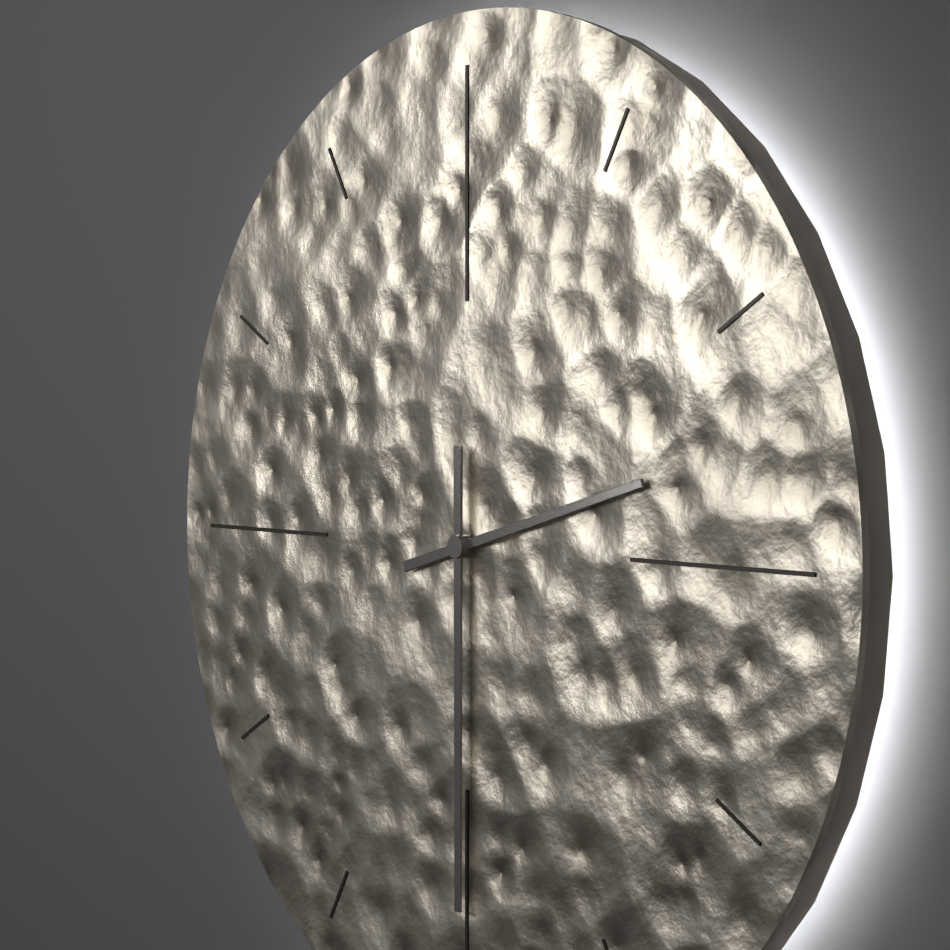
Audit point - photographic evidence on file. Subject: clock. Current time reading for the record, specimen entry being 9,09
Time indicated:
2,30
